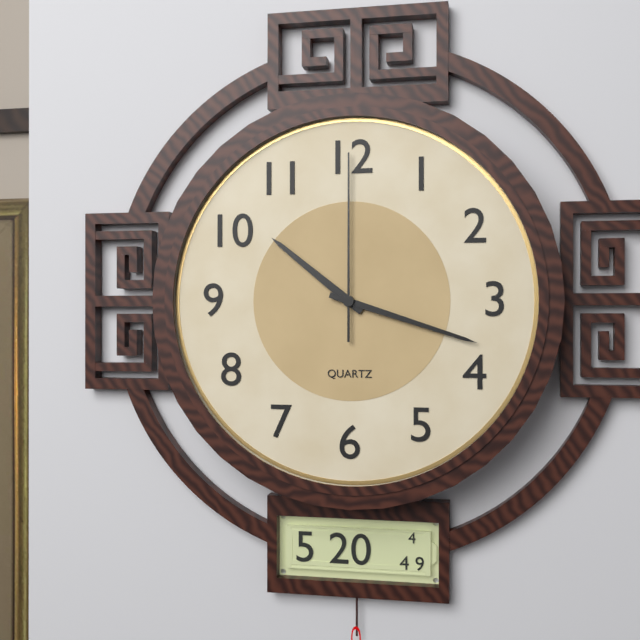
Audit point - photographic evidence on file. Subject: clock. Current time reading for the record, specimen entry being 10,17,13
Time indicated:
10,18,00
